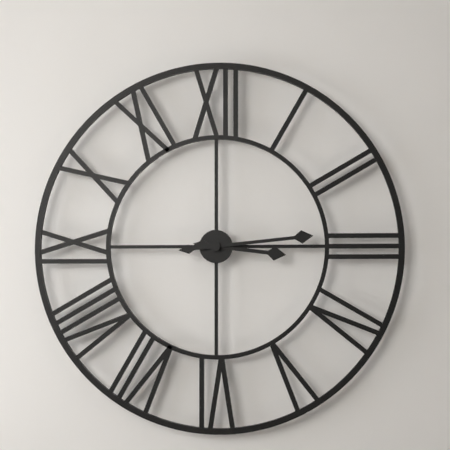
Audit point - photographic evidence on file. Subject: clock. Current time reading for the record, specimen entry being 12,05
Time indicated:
3,14
